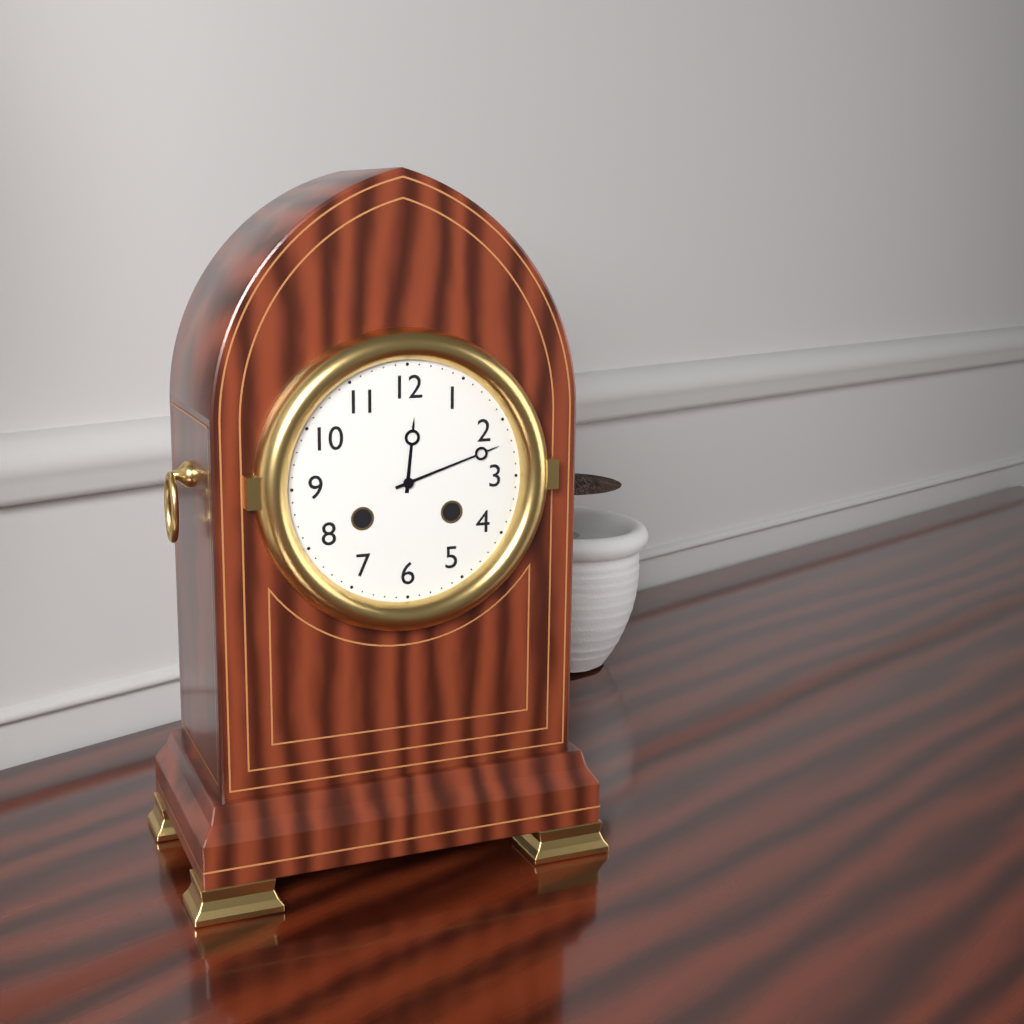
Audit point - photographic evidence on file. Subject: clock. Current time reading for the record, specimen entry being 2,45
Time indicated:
12,12
